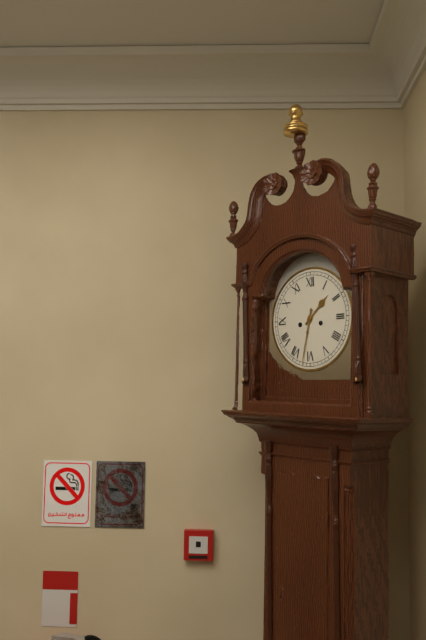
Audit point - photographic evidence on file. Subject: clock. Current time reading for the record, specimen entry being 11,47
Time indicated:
1,32
